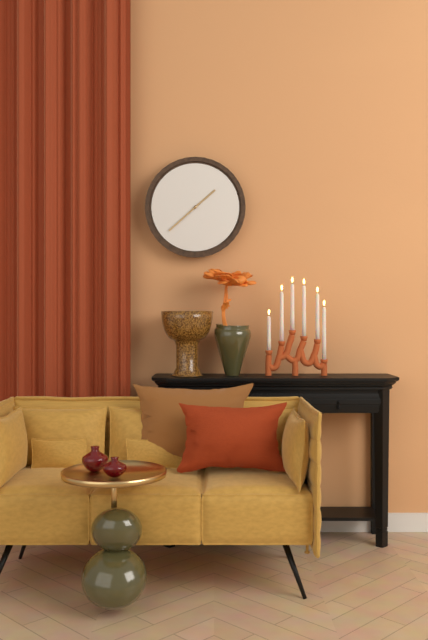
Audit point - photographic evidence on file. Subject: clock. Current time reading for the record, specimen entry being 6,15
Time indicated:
1,38
